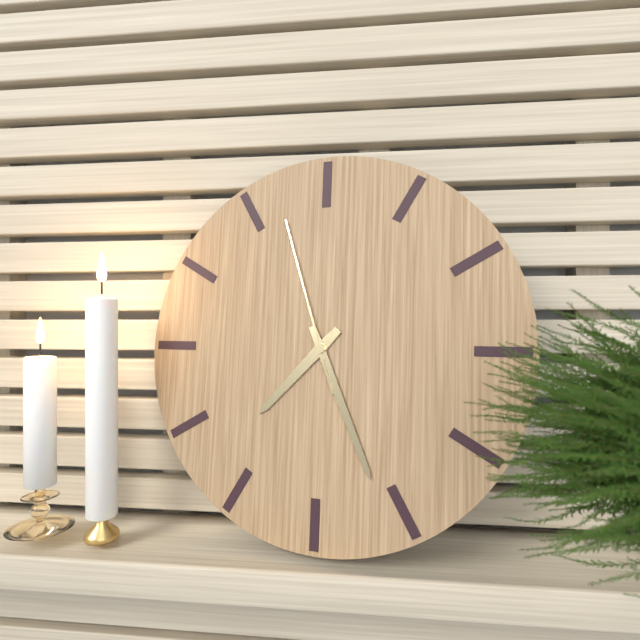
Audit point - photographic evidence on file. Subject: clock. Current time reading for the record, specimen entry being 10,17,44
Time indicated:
7,26,57
